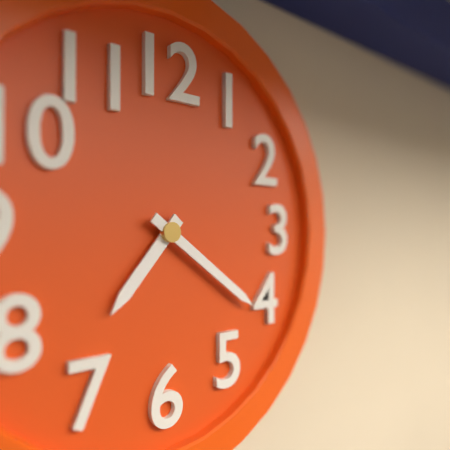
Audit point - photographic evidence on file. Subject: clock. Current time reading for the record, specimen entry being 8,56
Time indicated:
7,21
